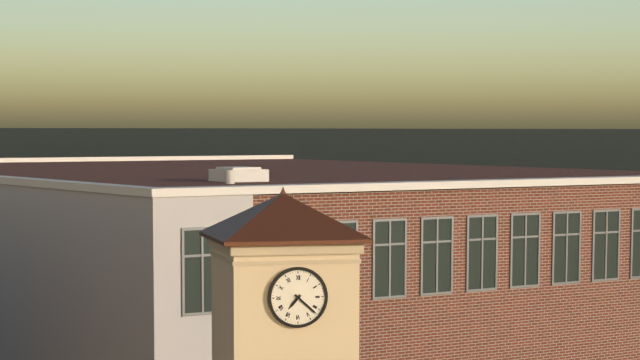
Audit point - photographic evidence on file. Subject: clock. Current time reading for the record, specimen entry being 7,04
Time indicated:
7,22
